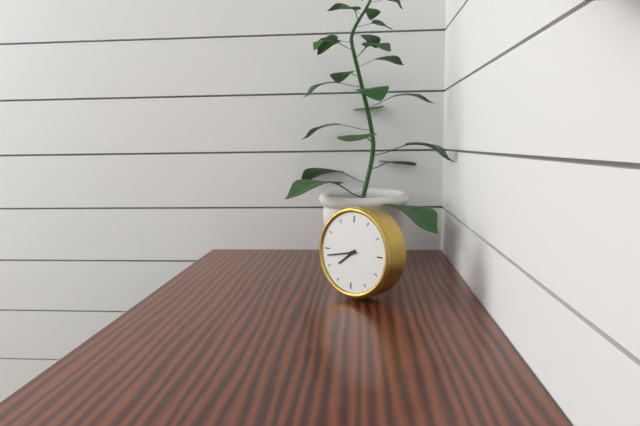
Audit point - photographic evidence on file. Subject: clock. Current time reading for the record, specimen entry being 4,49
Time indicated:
7,43
